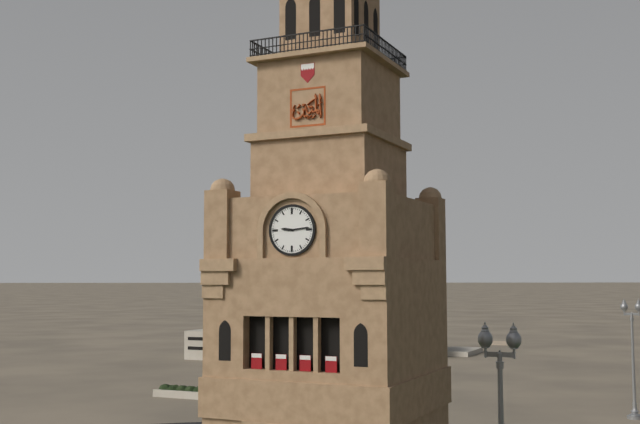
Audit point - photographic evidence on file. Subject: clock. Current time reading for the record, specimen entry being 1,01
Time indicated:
9,14
